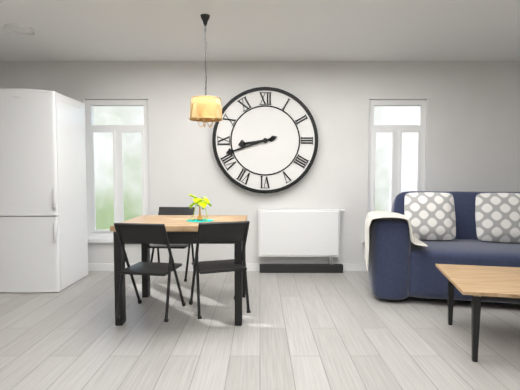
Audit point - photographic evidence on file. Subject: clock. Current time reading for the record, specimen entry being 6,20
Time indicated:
8,42
